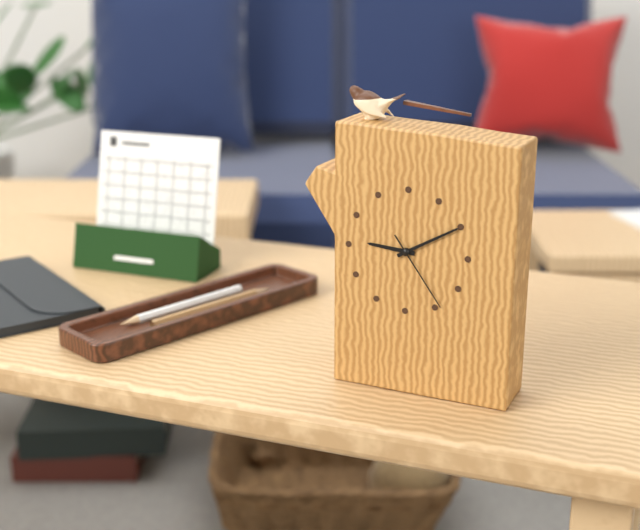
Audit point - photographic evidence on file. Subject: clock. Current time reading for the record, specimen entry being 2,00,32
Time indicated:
9,10,24
